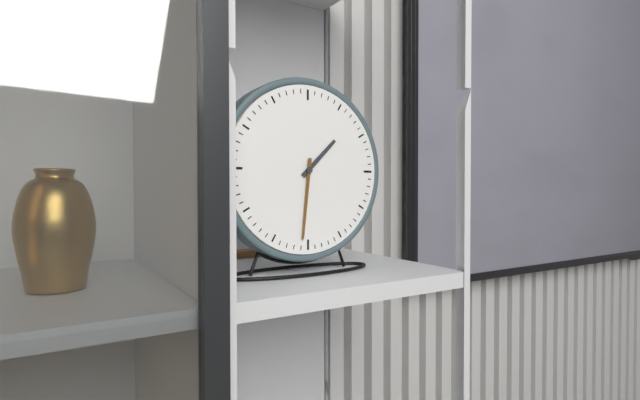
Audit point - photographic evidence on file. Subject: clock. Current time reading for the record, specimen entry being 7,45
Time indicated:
1,31
